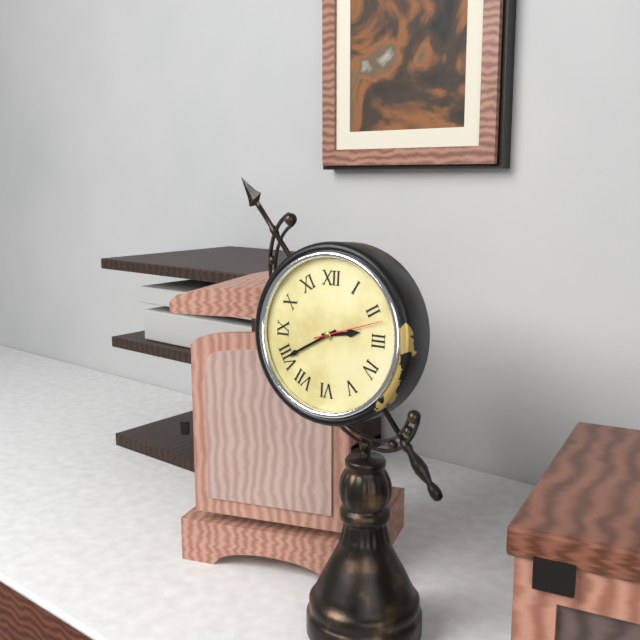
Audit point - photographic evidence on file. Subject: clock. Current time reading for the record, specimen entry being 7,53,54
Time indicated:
2,40,12
